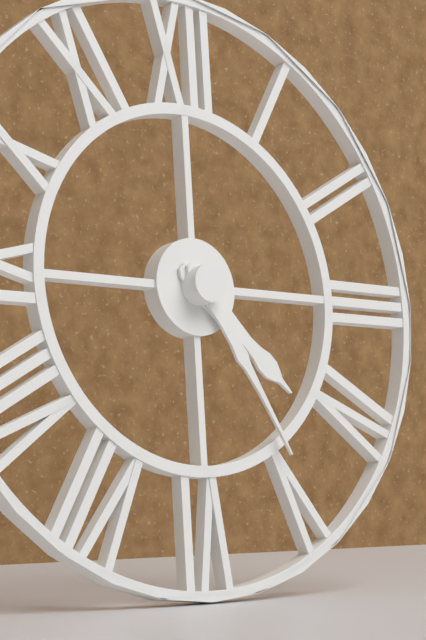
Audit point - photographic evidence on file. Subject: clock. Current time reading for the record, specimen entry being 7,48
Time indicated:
4,24
